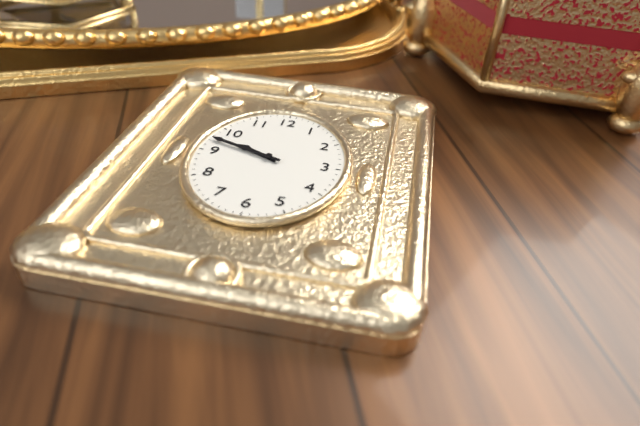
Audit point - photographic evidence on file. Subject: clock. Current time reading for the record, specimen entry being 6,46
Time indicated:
9,48
